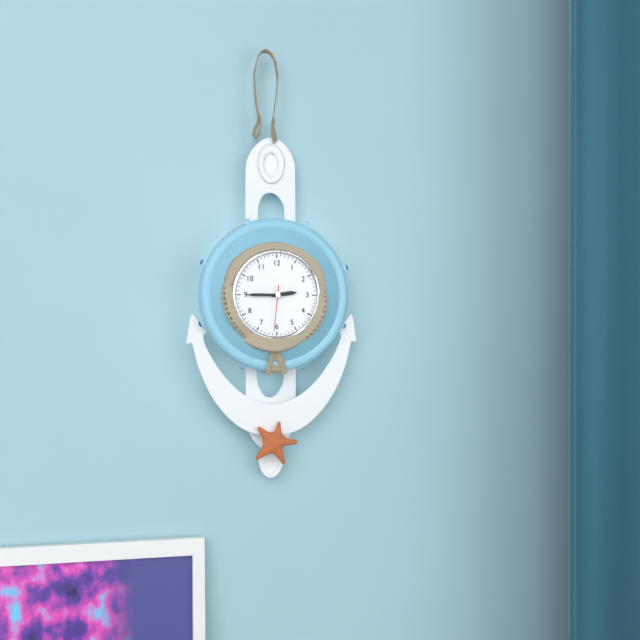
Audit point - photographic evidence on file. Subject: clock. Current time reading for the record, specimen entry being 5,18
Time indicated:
2,45
